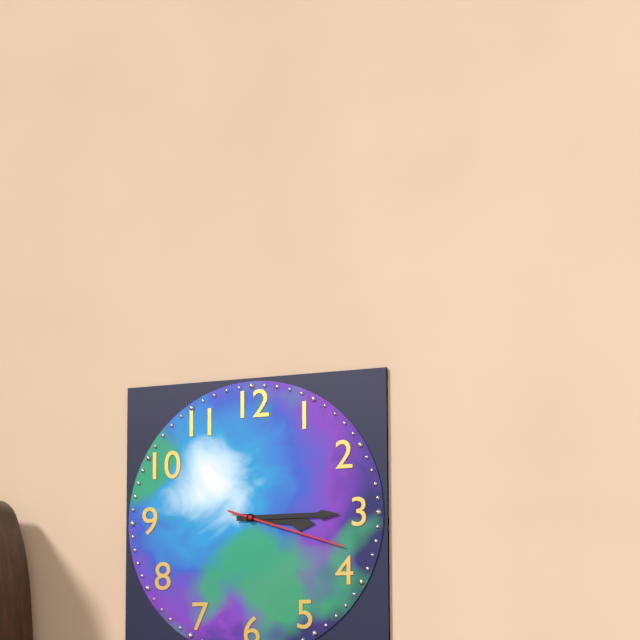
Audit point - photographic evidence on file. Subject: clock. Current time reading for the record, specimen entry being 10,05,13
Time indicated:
3,15,18
